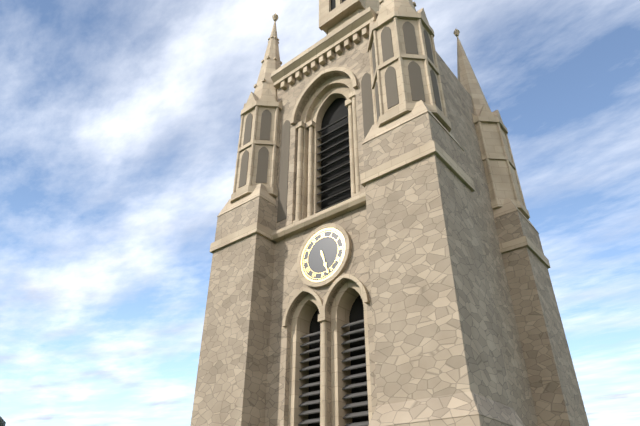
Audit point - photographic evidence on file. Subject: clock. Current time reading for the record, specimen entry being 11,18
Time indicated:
5,27
